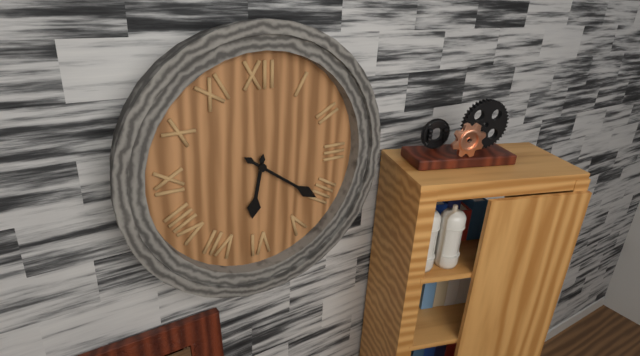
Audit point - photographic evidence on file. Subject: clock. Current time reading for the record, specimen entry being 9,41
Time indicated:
6,21
